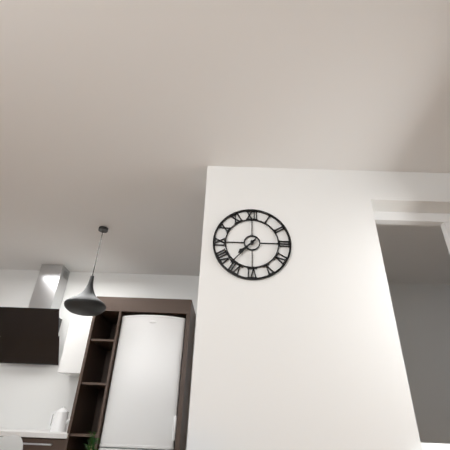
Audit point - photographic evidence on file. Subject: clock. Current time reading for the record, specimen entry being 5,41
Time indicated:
7,37
